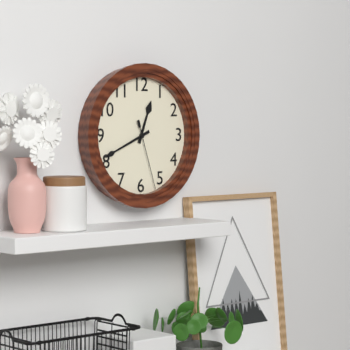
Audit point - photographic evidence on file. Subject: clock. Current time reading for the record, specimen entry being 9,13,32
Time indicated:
12,41,27
